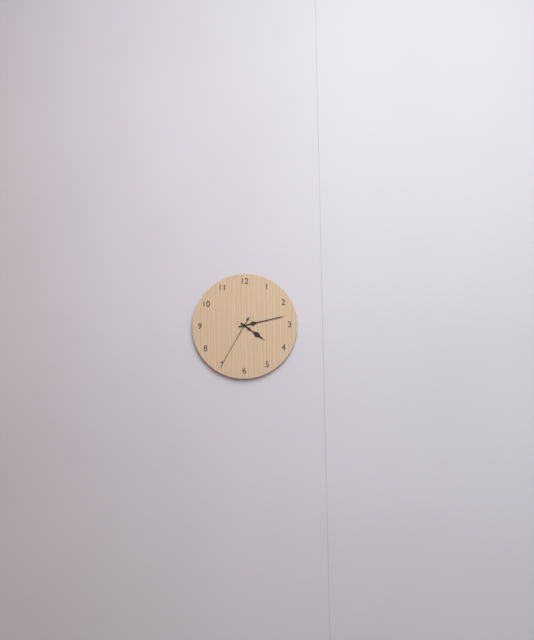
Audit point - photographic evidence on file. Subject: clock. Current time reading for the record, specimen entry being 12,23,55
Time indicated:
4,13,35
